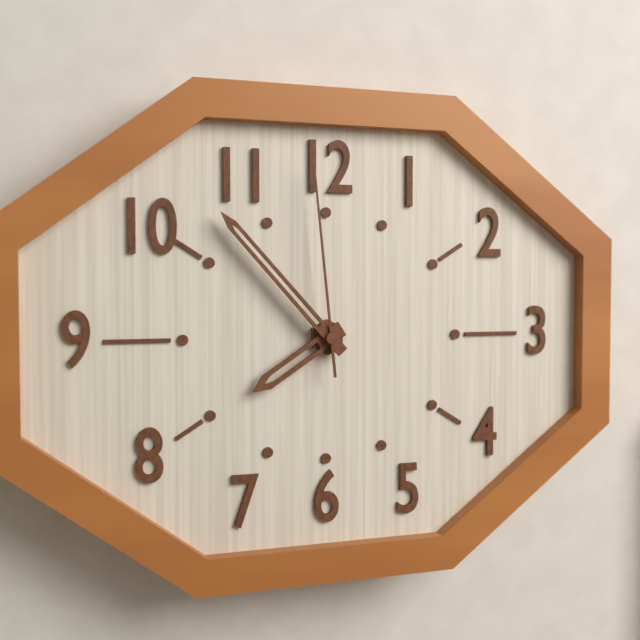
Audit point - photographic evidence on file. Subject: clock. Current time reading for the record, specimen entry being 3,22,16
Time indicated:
7,53,59
